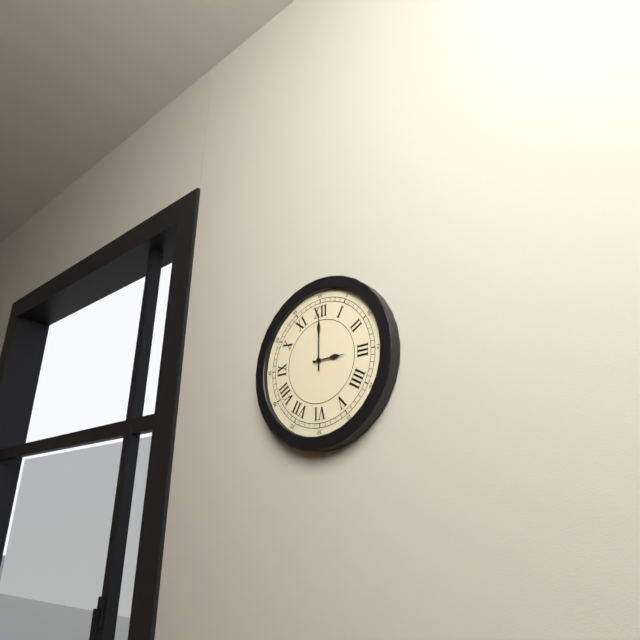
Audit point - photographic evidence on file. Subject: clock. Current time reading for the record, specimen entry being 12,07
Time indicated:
3,00
